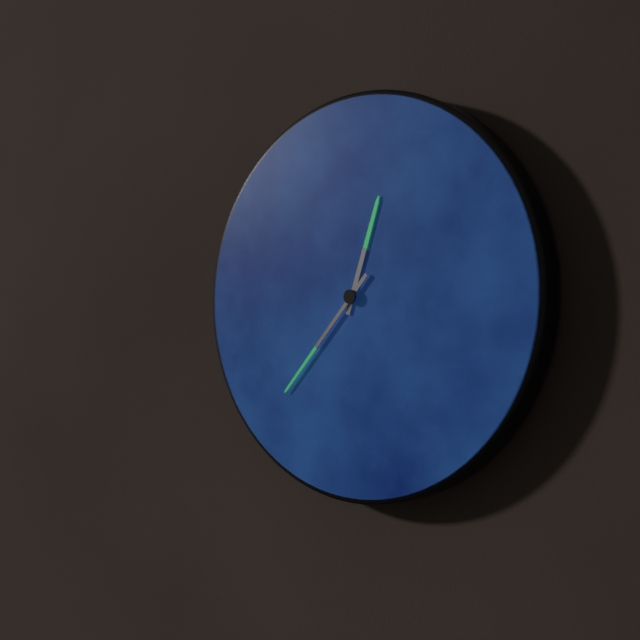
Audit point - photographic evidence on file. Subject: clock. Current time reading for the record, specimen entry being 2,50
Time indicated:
12,37
